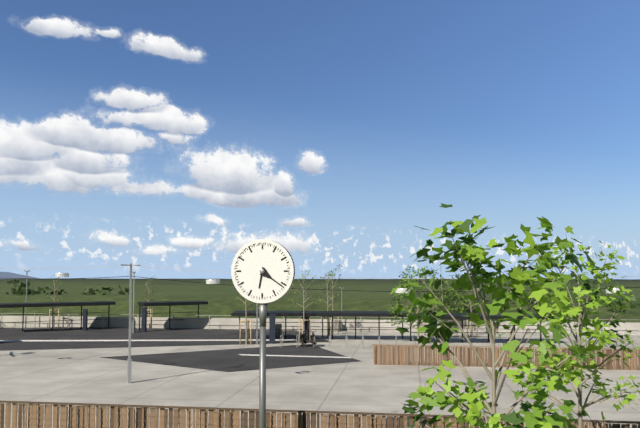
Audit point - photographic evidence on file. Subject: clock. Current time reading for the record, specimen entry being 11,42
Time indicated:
6,21
